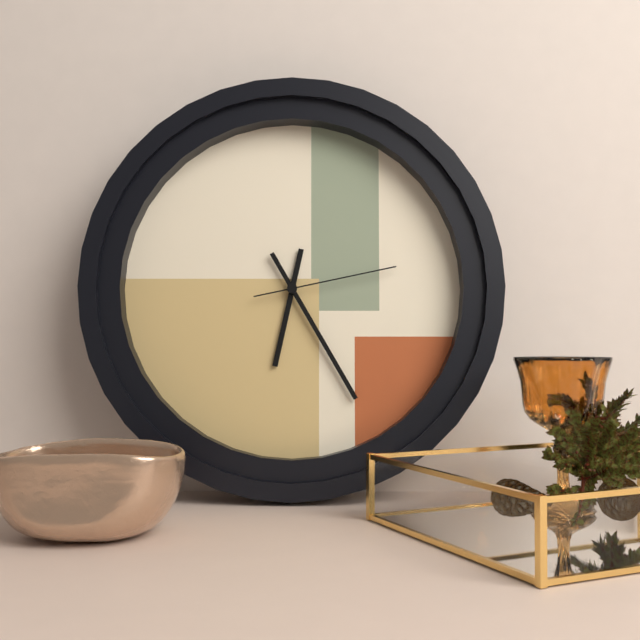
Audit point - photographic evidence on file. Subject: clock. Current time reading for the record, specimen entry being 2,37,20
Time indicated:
6,25,13
